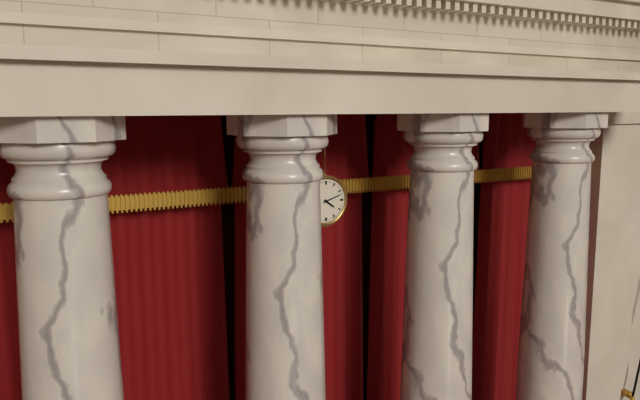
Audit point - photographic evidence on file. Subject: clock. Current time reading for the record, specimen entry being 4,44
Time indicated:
4,12
